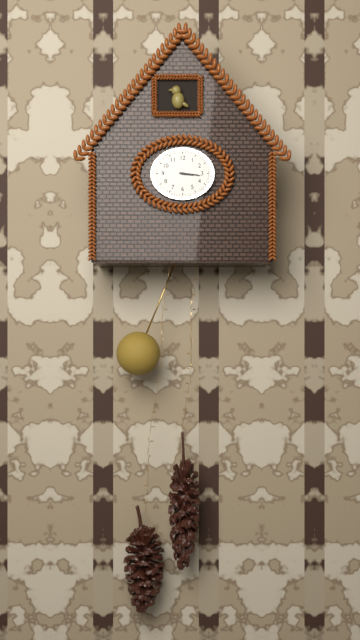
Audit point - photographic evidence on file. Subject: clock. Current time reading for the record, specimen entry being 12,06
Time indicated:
3,16
